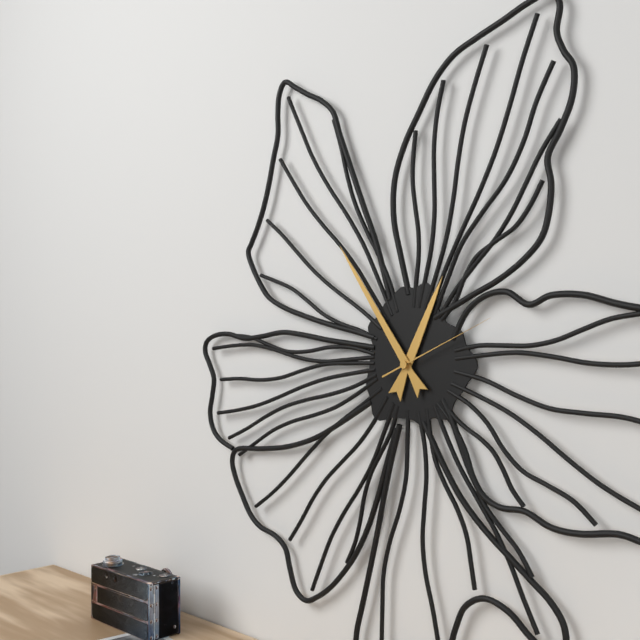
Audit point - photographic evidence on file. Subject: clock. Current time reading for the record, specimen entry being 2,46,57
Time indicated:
12,54,11
